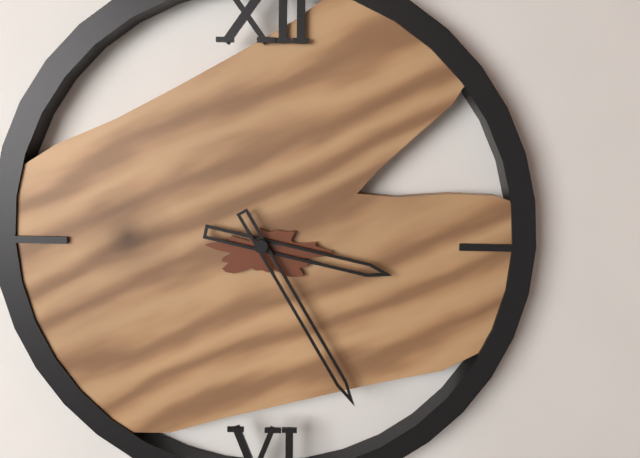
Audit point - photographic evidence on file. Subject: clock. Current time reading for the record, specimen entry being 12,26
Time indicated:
3,25
